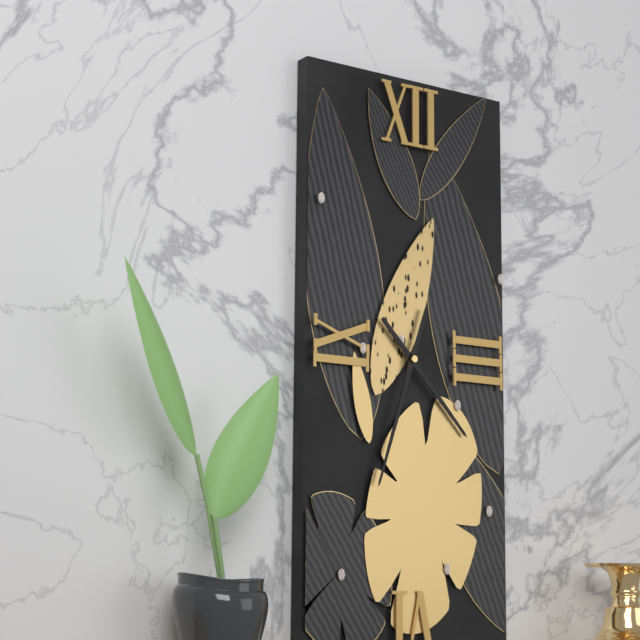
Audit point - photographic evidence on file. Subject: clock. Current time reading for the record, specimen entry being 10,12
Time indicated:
4,33
